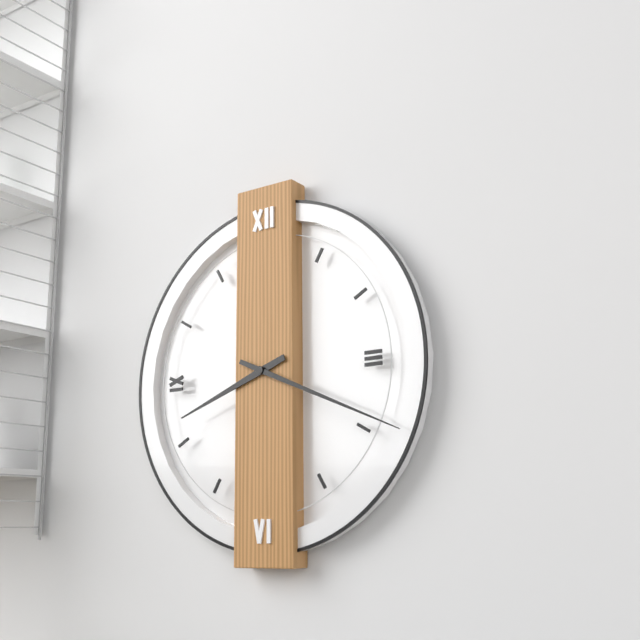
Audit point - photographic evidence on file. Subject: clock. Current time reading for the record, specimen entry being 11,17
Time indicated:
8,19
